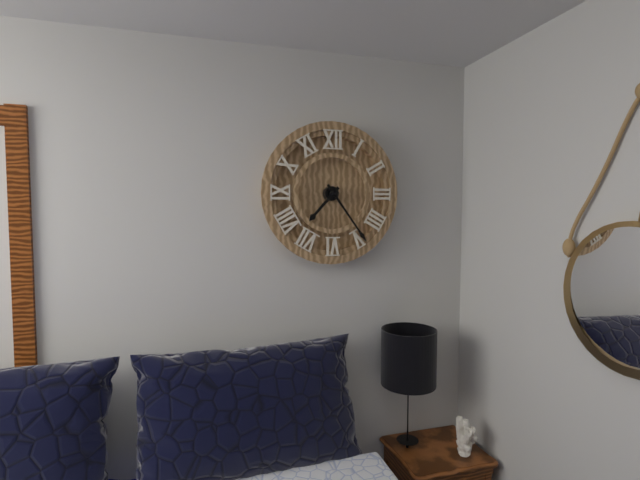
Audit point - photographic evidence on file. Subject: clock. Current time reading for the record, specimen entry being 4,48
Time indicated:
7,24
